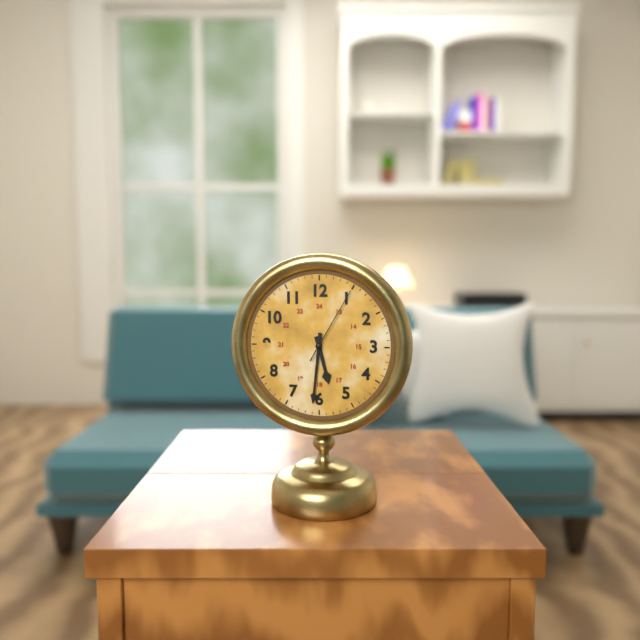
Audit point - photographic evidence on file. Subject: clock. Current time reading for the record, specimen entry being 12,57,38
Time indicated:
5,31,05
